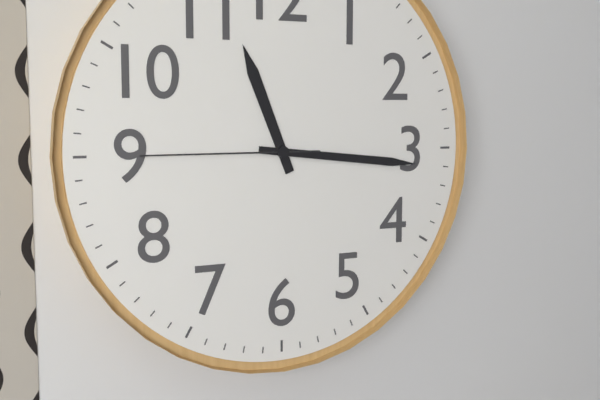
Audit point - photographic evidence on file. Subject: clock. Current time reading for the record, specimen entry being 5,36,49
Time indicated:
11,16,45
